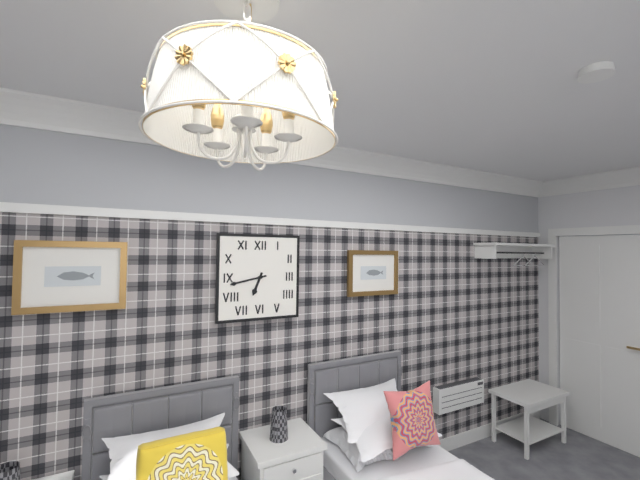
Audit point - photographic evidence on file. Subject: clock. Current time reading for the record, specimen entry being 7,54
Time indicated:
6,43
